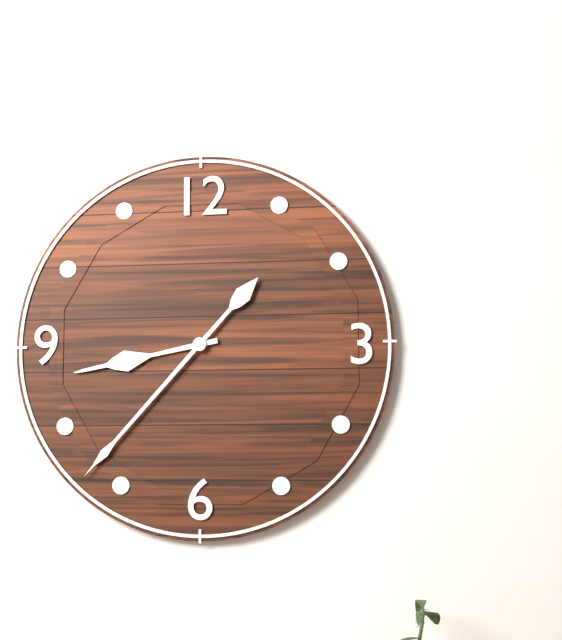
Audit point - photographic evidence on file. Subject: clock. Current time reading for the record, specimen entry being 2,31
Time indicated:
8,37
